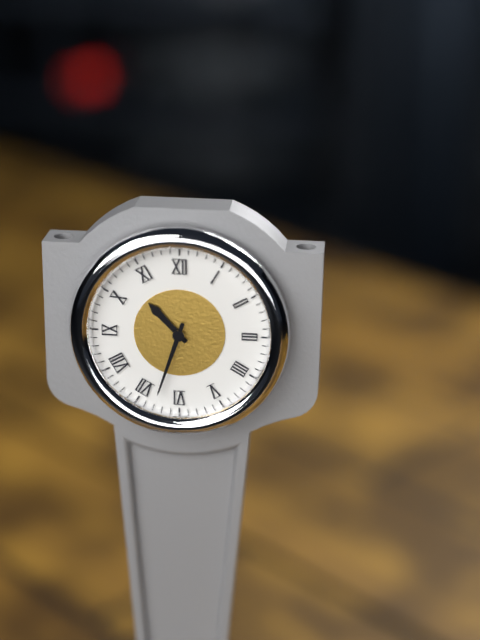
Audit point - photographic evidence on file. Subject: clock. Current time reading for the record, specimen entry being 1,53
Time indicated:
10,33
